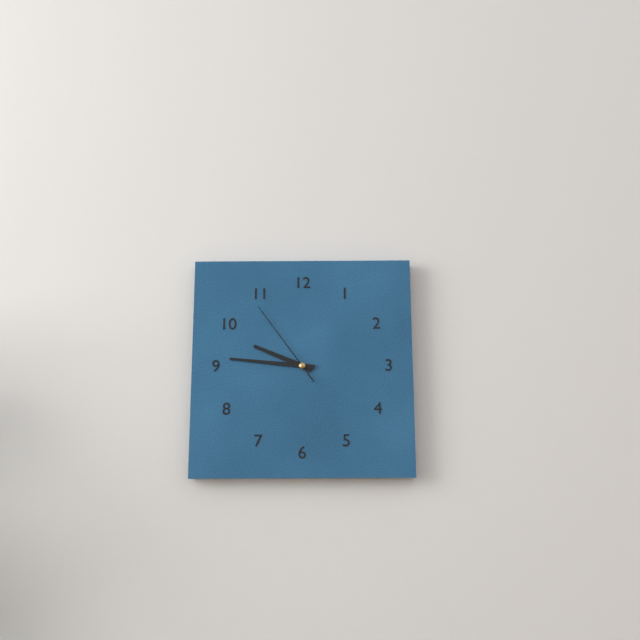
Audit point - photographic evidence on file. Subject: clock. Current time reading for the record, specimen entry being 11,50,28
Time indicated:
9,46,54
